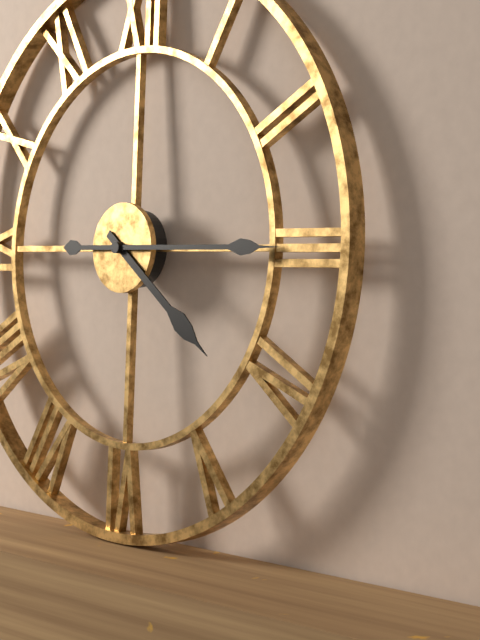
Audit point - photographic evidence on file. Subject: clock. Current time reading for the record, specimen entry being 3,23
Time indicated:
4,15
